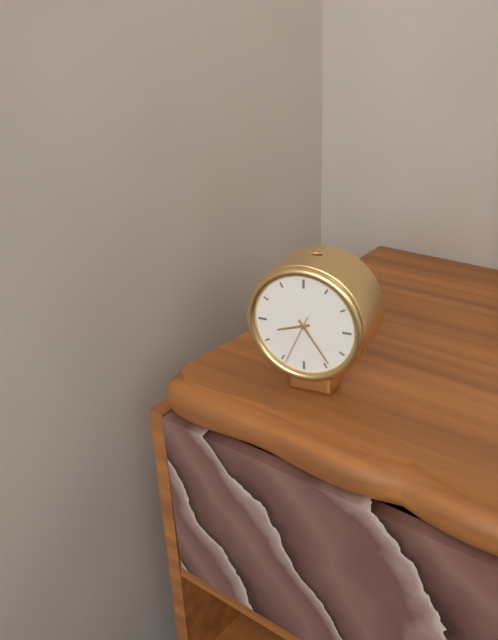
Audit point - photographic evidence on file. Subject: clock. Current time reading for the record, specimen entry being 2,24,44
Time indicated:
8,24,34
